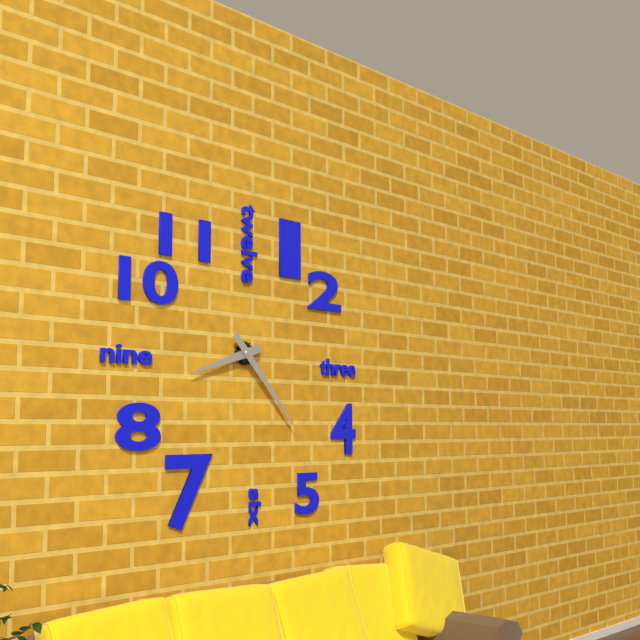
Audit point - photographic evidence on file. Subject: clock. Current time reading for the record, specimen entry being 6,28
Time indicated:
8,23
